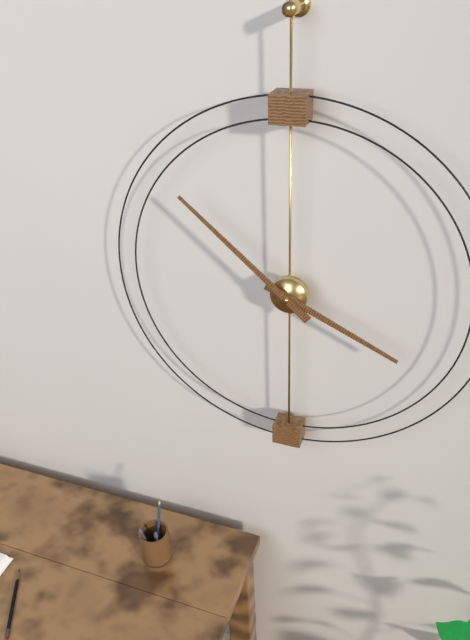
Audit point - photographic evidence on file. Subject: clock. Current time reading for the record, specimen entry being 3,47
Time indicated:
3,52
